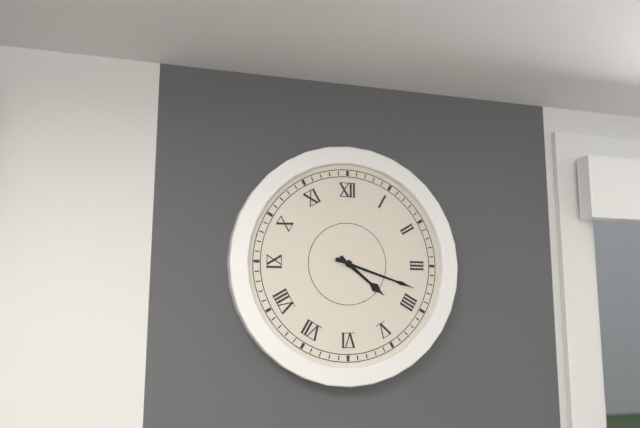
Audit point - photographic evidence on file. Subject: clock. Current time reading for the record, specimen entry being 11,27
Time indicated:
4,18
